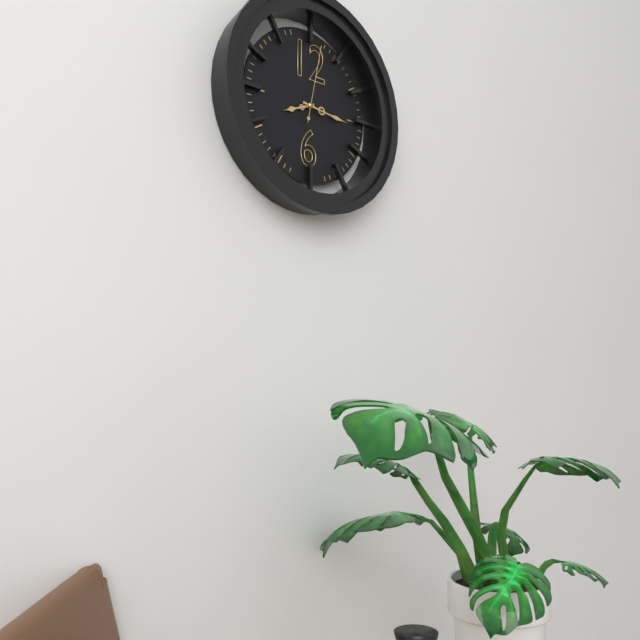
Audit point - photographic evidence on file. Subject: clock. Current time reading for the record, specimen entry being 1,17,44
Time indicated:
8,16,02
